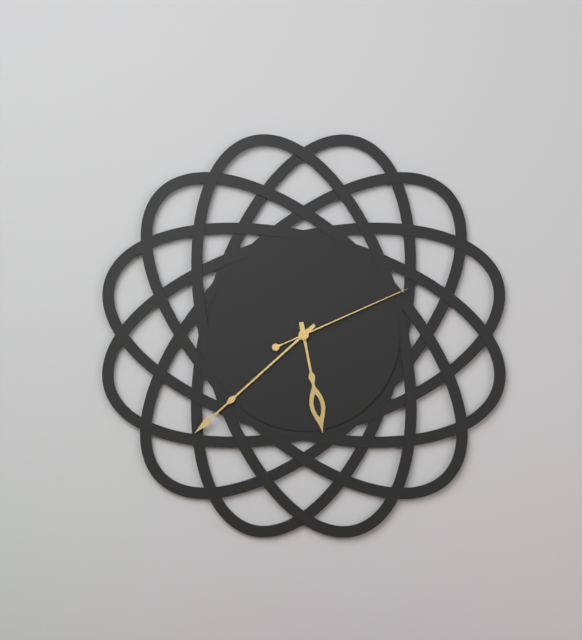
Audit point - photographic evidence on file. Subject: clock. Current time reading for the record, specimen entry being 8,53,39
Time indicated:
5,38,11
